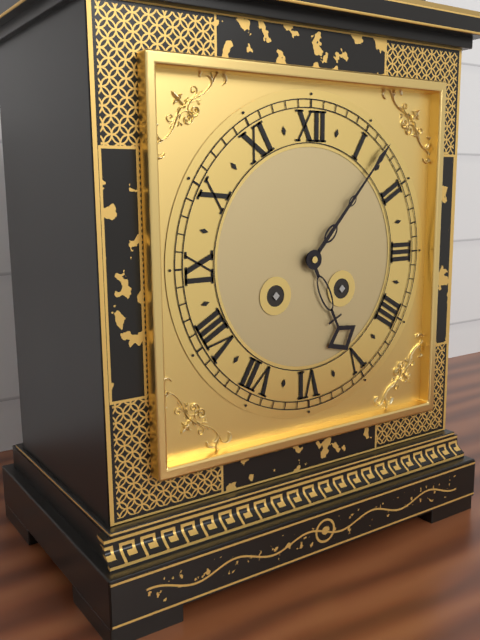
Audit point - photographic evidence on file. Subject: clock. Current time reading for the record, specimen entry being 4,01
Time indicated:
5,07
